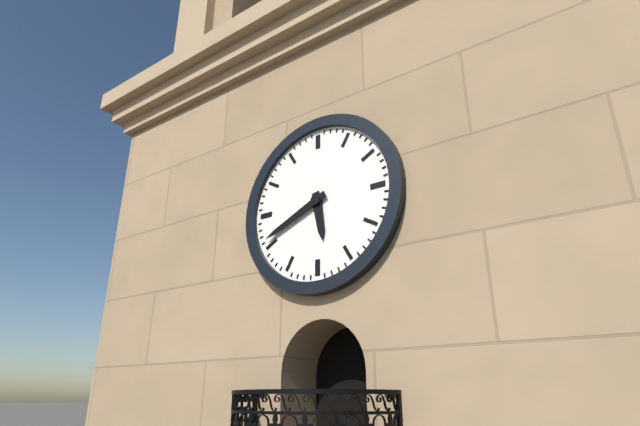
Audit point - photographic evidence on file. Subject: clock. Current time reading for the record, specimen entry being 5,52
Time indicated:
5,41
